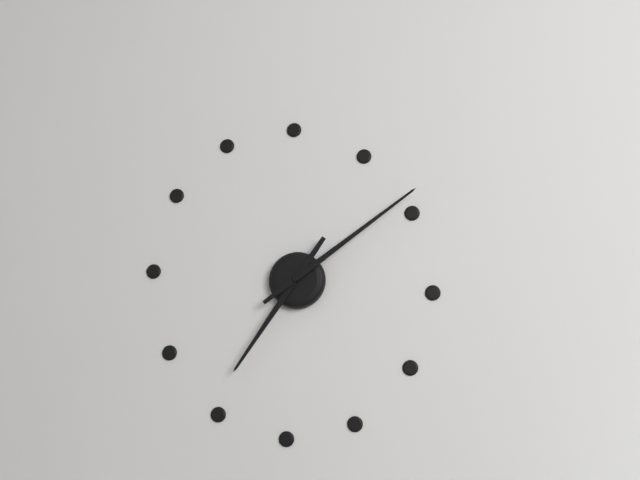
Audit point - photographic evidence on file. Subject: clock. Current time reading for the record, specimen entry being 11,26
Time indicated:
7,09
